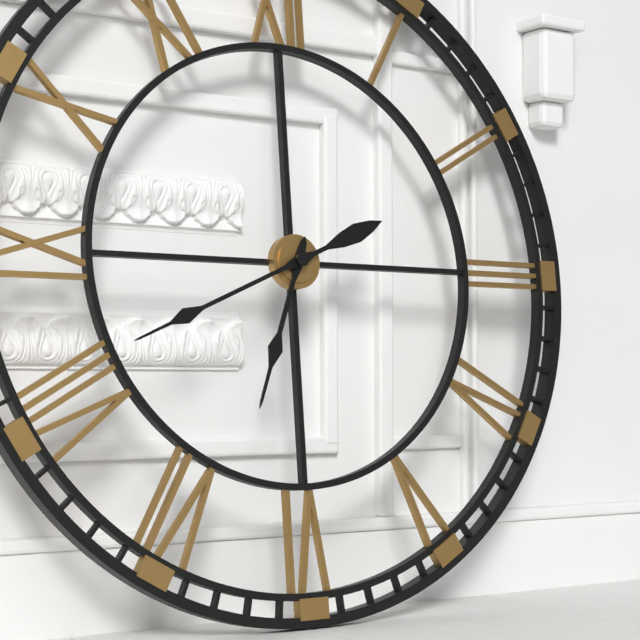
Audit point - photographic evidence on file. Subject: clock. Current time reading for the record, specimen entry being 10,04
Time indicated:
6,41
